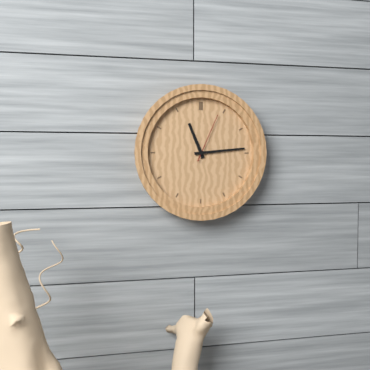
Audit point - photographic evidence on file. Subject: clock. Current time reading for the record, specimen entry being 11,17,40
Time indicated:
11,14,04
